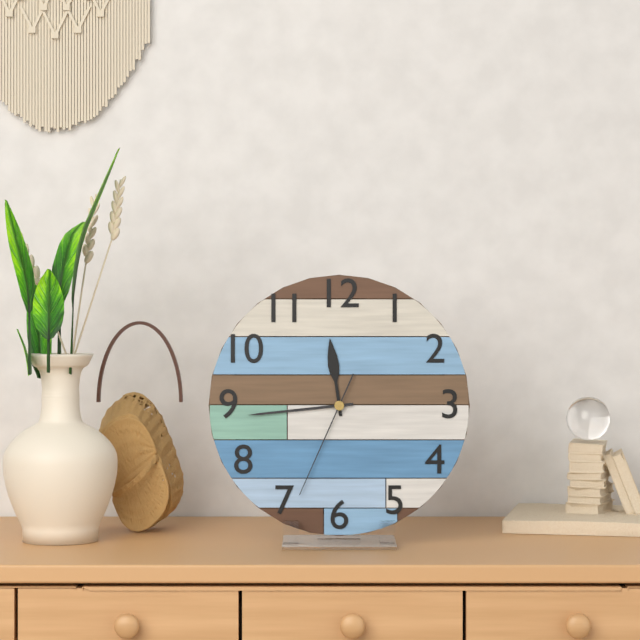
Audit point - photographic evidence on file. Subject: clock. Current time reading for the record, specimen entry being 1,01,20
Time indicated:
11,44,34
